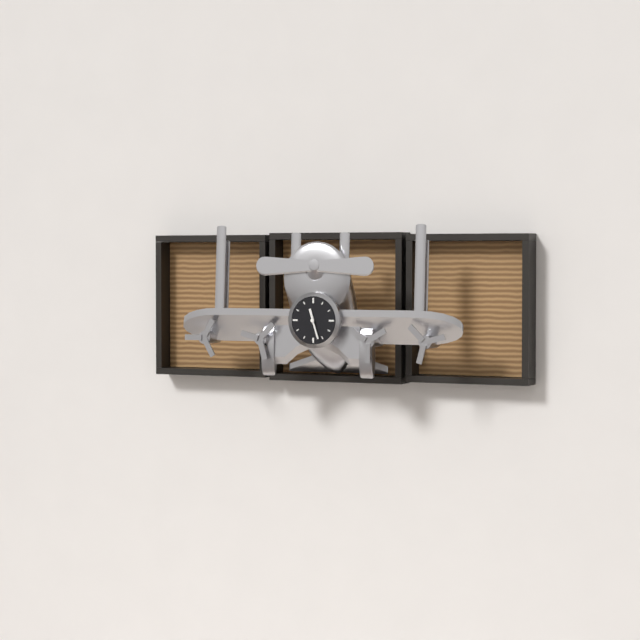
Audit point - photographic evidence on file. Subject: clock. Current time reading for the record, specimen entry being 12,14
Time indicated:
11,27
